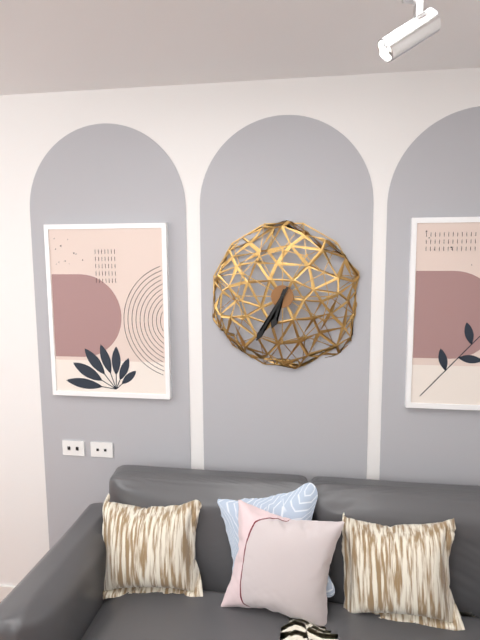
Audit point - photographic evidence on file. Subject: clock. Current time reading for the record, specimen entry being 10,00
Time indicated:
6,35
